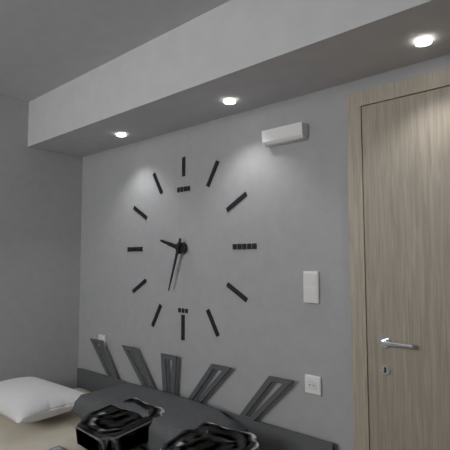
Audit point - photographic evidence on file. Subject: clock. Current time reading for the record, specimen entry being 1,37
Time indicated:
9,33
